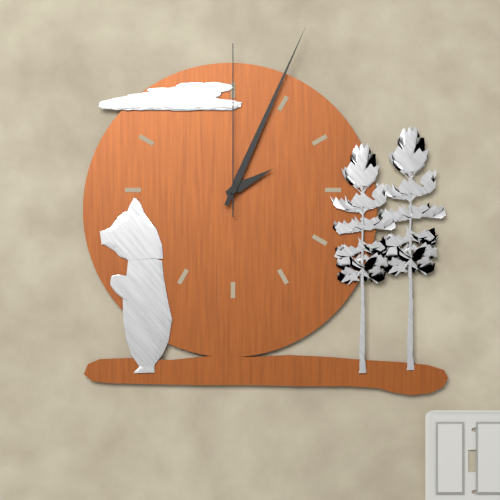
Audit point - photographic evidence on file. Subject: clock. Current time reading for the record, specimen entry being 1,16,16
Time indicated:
2,04,00
